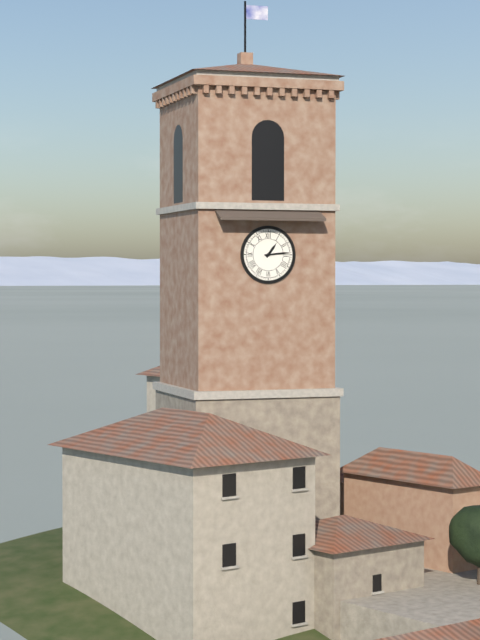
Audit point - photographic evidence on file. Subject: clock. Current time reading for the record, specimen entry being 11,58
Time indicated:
1,14
